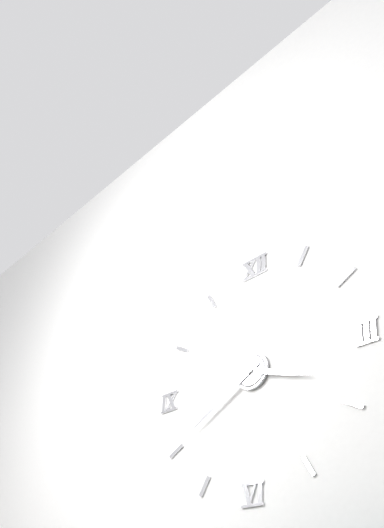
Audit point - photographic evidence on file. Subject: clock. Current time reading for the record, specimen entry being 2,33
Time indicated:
3,40
